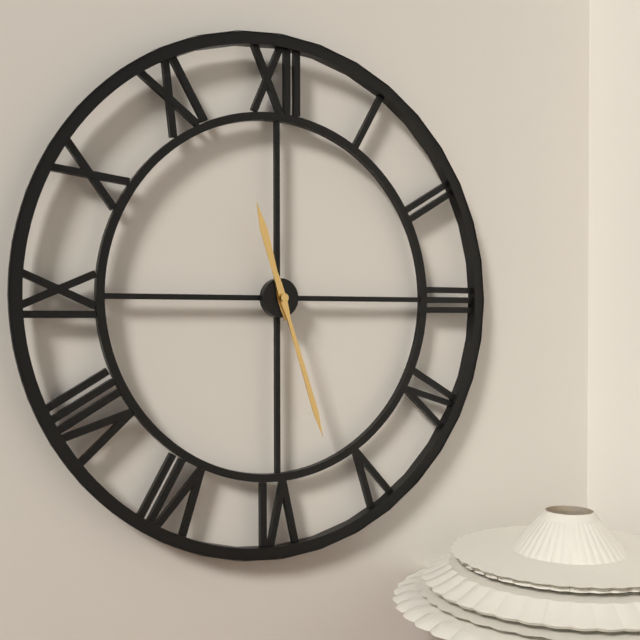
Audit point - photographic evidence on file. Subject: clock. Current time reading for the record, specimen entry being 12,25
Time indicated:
11,27
